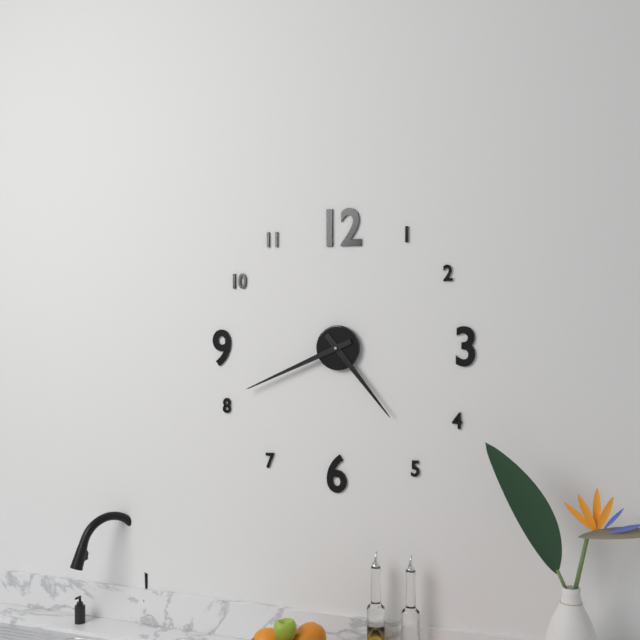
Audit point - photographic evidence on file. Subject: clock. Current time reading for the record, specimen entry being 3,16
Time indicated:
4,41
